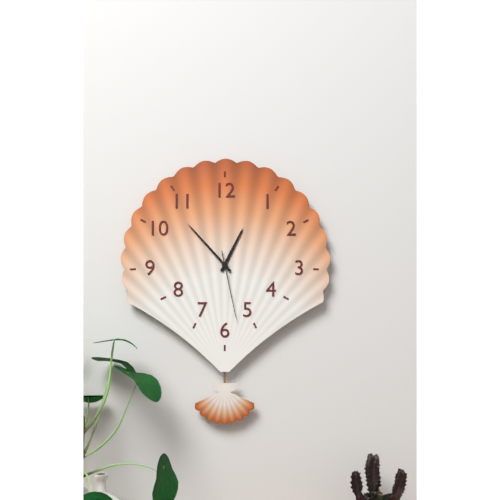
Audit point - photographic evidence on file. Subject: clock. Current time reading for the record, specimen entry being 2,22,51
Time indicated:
12,53,28
